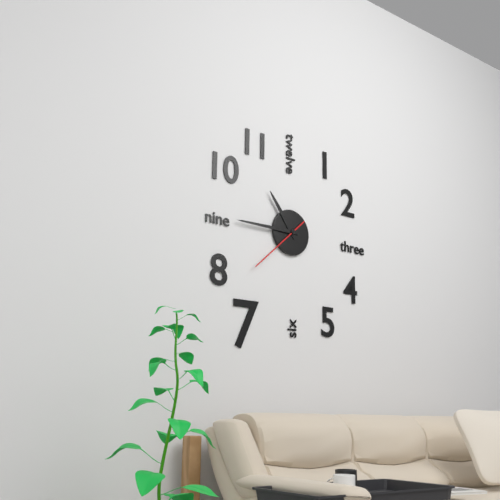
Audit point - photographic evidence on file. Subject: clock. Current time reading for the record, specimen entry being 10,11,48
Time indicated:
10,45,38
